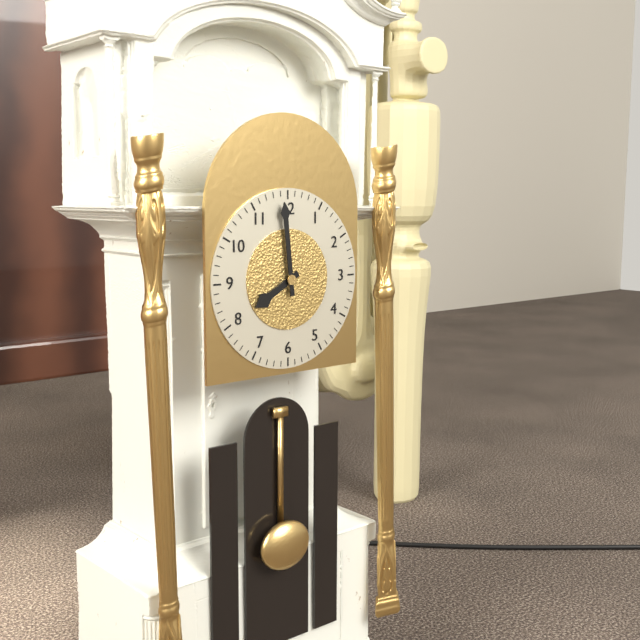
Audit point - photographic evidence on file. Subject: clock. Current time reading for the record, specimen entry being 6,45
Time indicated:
7,59
